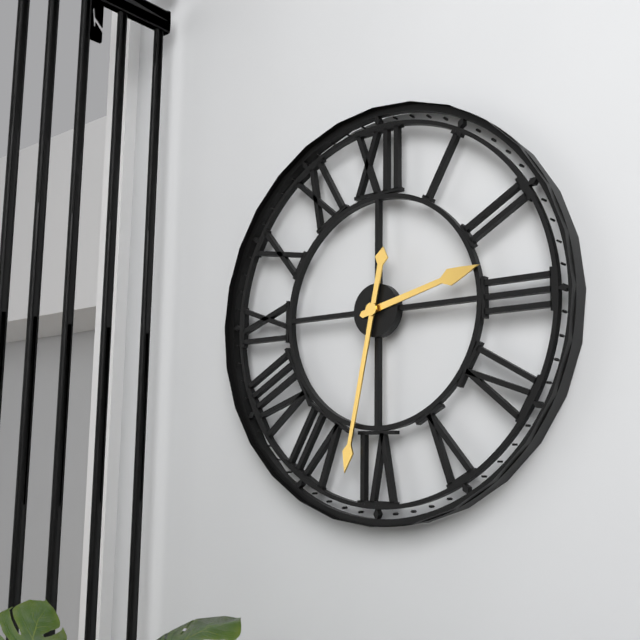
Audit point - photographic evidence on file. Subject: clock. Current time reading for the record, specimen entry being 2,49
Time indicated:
2,32
